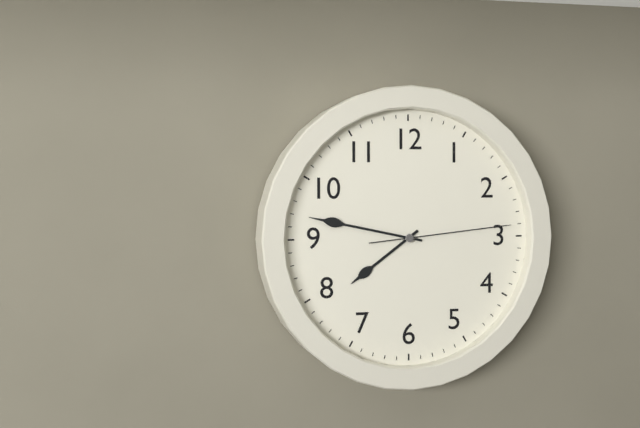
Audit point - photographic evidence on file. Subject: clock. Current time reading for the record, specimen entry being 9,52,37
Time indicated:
7,47,14
